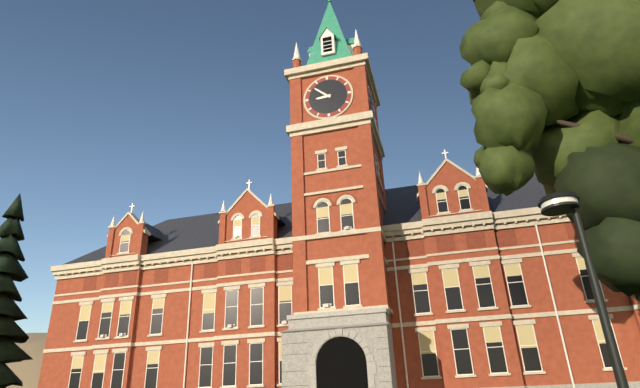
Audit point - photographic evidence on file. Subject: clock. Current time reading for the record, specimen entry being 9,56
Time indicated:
8,52
